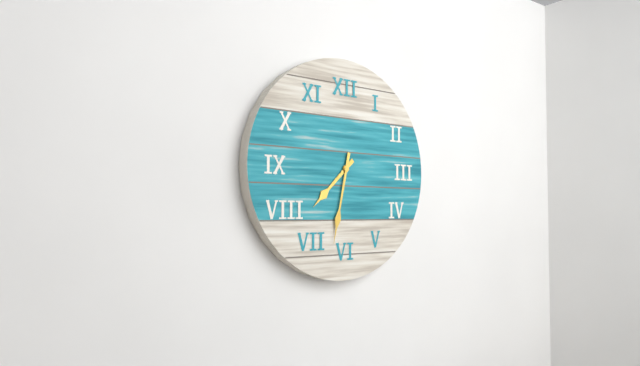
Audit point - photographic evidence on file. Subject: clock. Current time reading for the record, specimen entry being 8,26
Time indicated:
7,32
